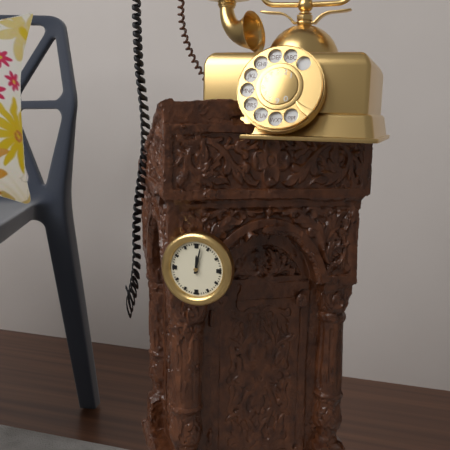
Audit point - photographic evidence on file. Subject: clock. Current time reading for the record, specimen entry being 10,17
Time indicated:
12,02
